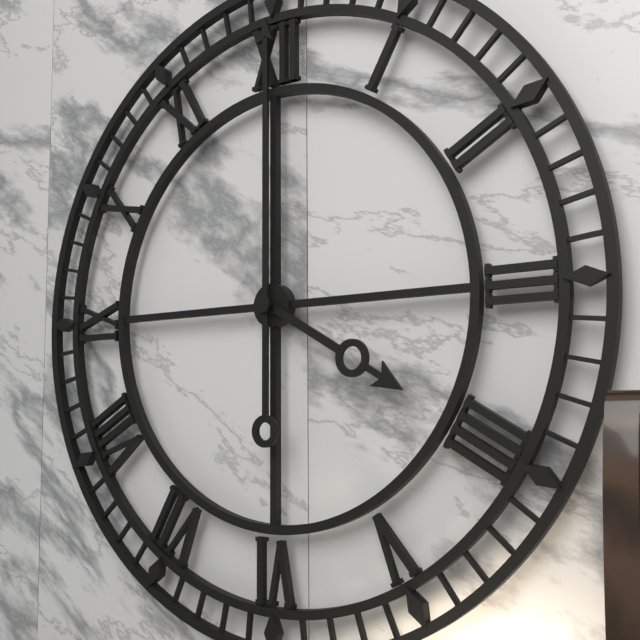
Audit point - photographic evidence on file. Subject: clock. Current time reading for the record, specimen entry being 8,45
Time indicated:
4,00
